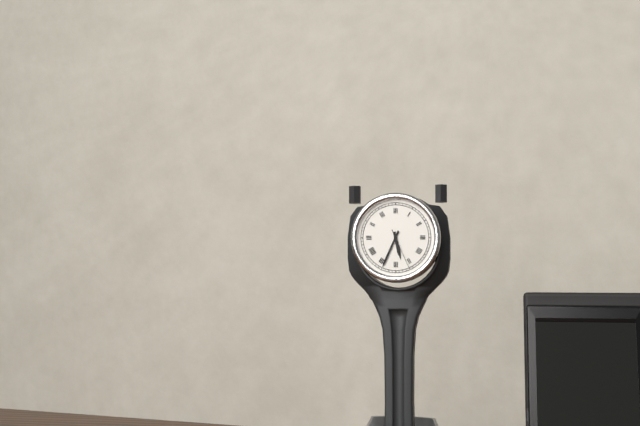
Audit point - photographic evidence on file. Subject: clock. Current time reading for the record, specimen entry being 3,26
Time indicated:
5,34
